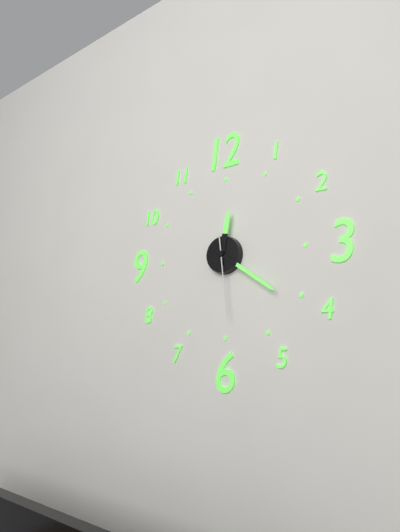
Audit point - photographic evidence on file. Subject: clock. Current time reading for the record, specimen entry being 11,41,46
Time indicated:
12,21,29
